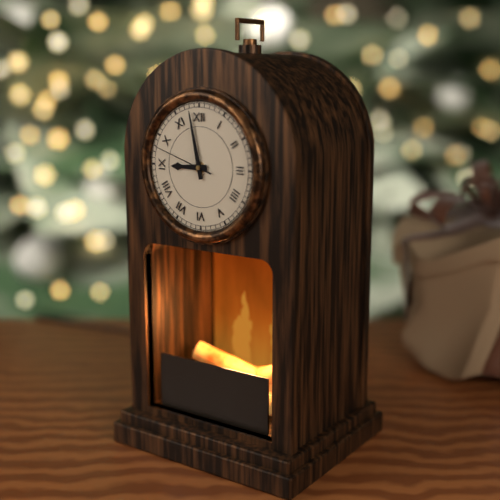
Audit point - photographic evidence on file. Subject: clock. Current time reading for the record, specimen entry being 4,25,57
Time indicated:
8,58,48
